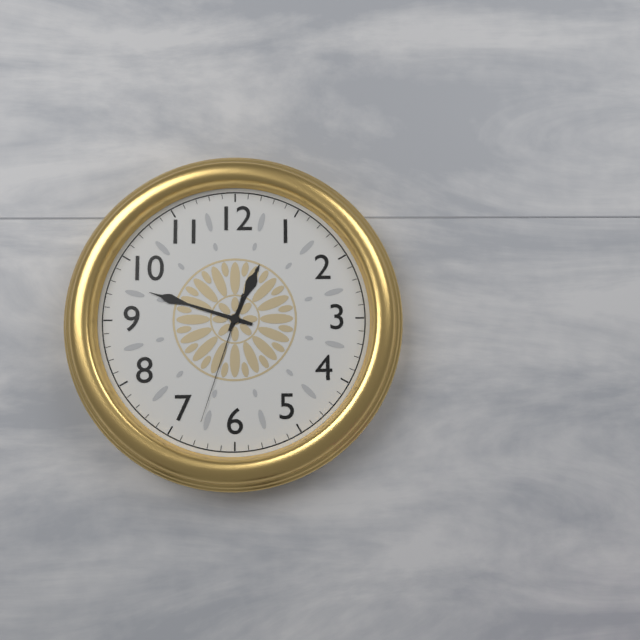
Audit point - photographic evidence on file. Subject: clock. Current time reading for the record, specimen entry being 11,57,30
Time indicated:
12,48,33
